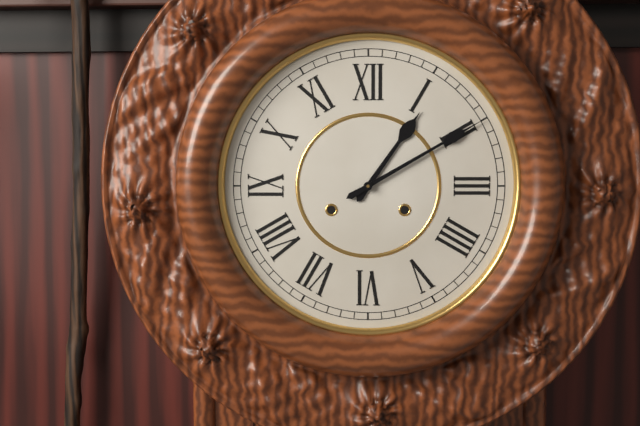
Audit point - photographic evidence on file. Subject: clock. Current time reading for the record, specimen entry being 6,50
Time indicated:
1,10
